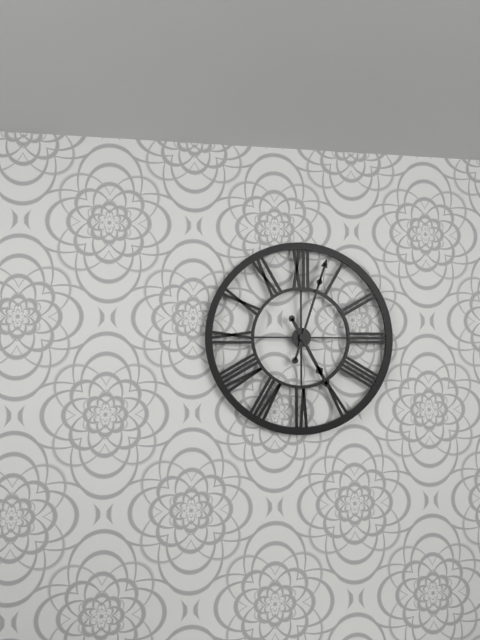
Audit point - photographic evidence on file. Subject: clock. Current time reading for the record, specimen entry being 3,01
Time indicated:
5,03
